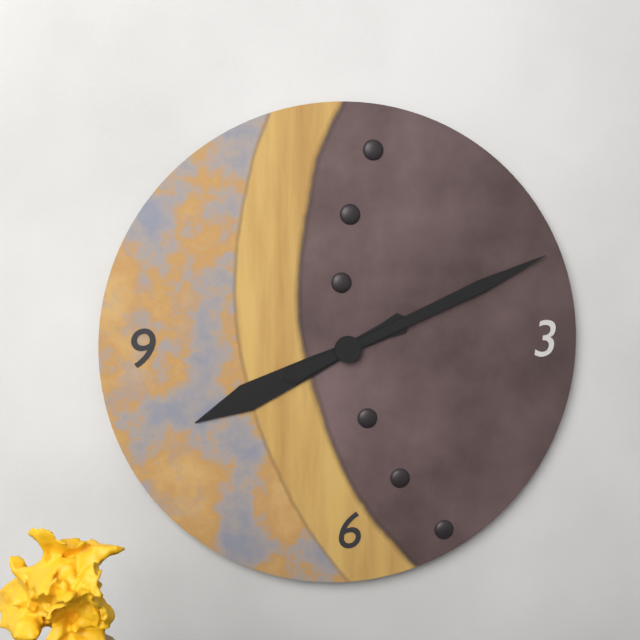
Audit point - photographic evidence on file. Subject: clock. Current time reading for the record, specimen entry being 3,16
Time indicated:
8,11
